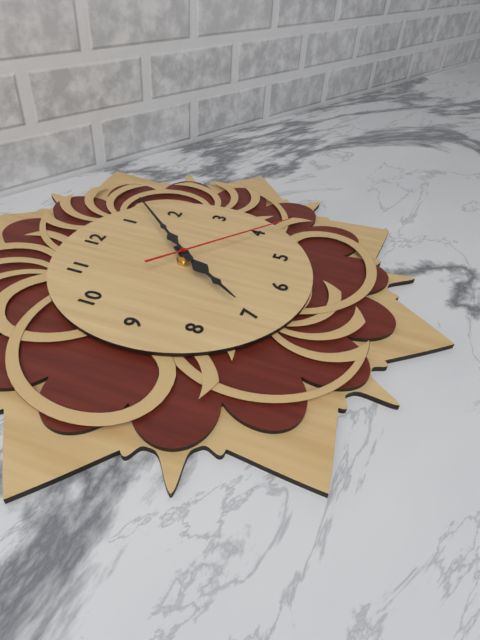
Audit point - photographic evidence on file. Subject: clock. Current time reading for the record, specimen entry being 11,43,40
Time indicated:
7,07,21
